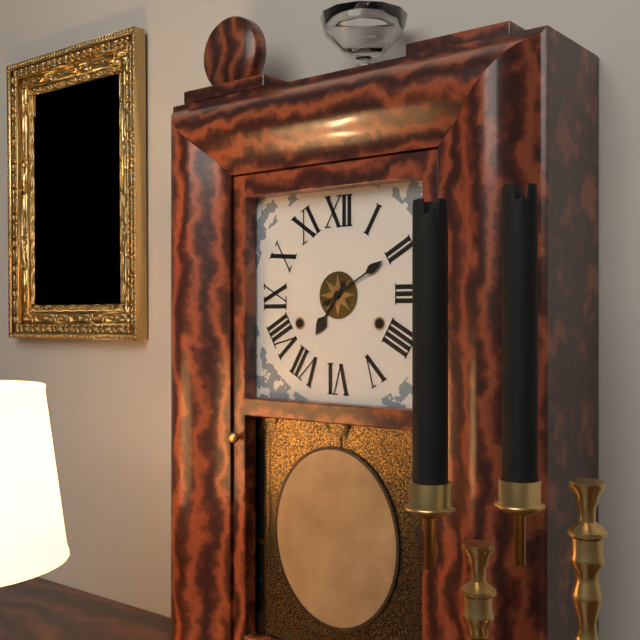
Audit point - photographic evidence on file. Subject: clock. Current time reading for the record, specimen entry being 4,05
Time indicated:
7,10
